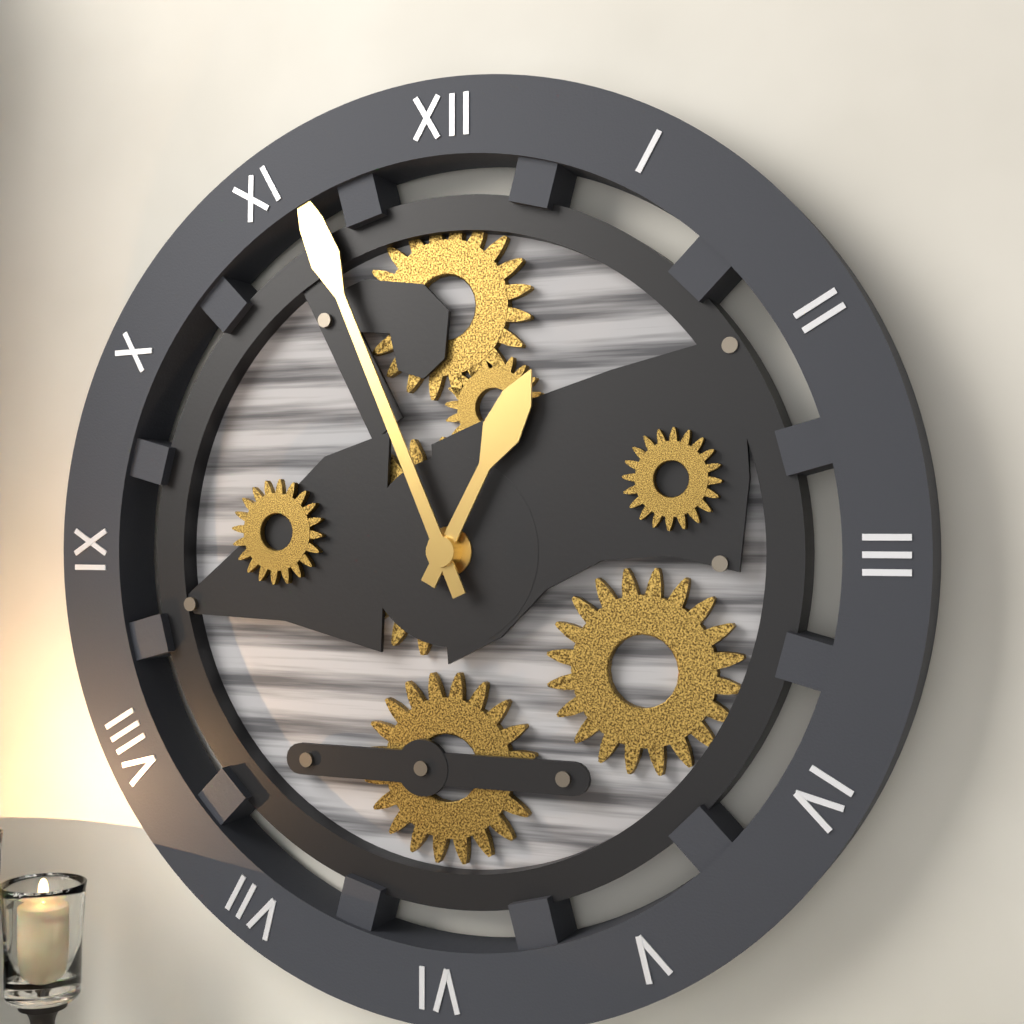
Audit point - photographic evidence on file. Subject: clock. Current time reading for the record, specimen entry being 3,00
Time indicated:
12,56
